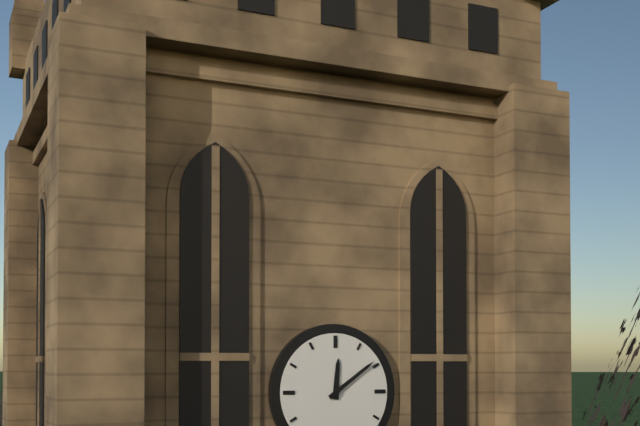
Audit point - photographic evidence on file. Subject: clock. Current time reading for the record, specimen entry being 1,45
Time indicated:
12,09
